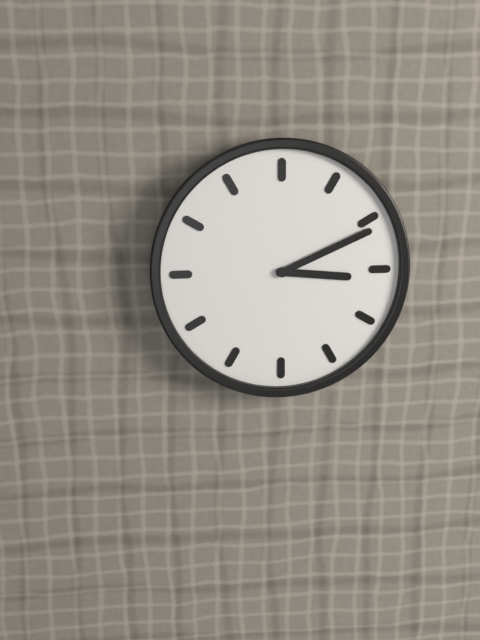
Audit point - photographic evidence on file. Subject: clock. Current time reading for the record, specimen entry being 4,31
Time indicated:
3,11
